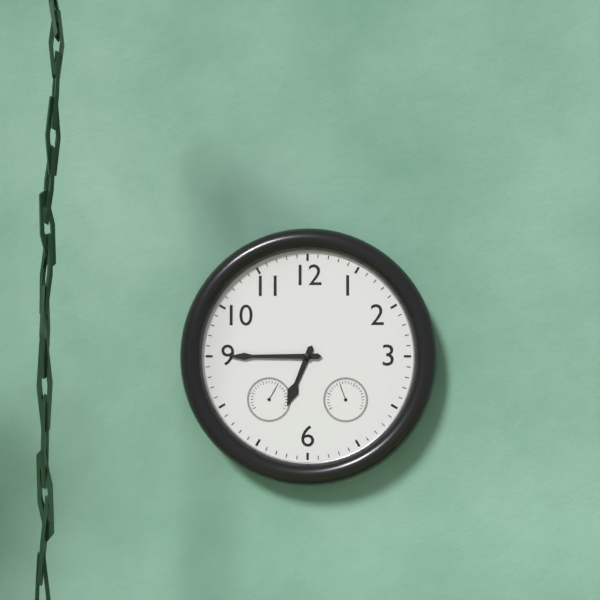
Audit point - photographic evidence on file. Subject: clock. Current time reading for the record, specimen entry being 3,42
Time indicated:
6,45
